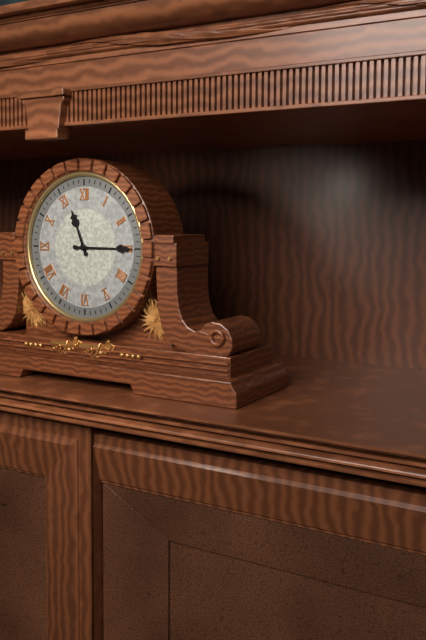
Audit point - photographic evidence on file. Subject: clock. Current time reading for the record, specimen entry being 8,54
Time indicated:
11,15
